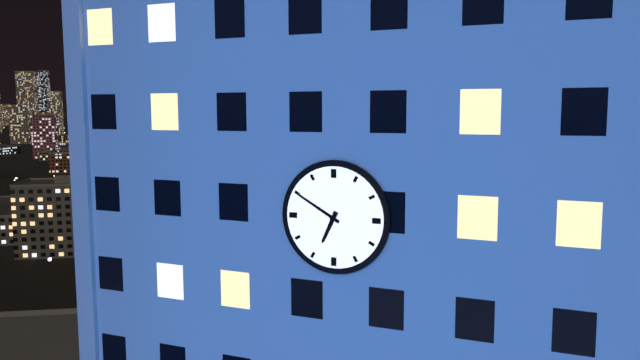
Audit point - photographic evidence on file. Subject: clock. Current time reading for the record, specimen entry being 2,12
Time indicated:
6,50
